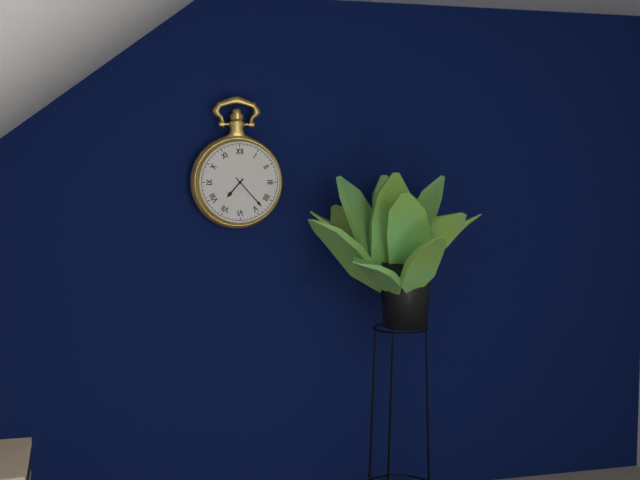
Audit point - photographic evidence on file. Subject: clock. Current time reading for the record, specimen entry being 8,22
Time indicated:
7,23
